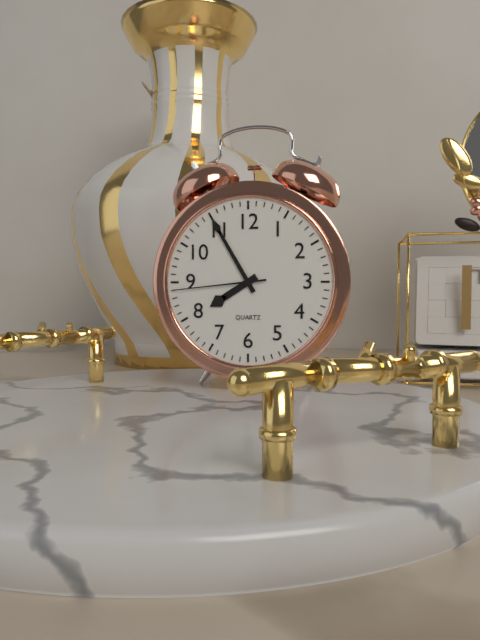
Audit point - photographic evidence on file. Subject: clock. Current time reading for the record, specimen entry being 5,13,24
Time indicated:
7,55,44
